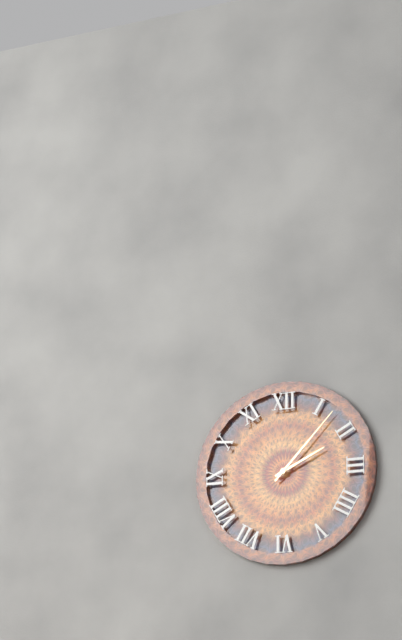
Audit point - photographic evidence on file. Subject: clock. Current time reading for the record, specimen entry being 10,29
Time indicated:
2,07
